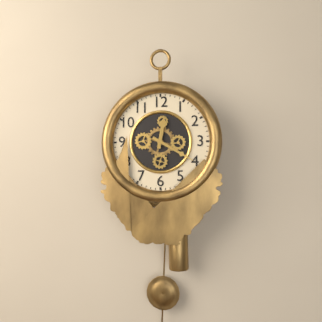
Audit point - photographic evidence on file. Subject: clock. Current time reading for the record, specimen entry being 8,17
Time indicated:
12,20
